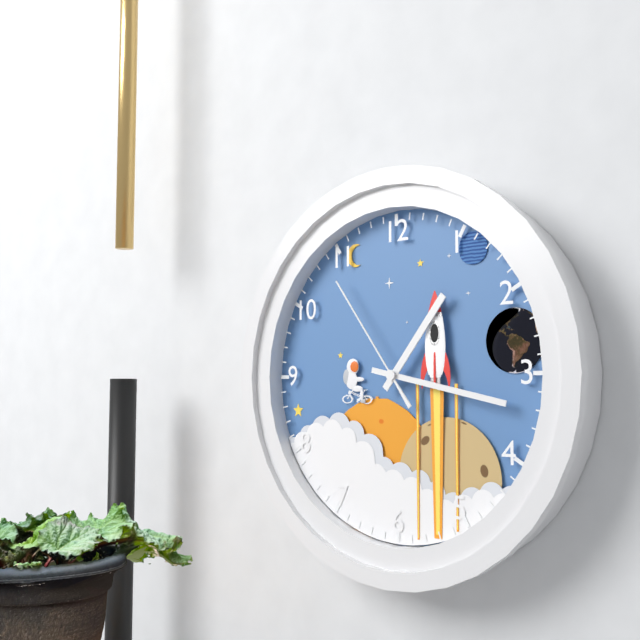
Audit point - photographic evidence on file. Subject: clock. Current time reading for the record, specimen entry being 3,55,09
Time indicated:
1,17,54
